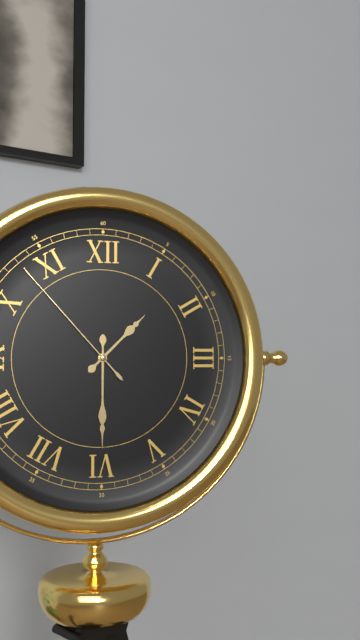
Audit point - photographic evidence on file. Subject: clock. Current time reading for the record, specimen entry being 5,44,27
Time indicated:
1,30,53
